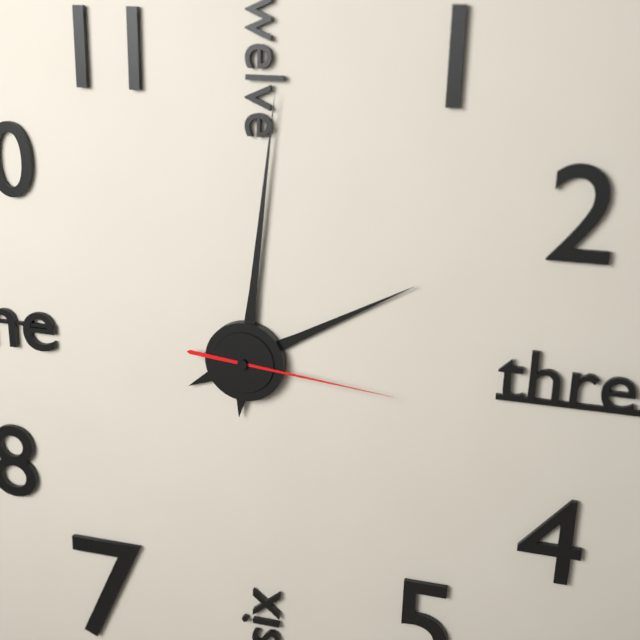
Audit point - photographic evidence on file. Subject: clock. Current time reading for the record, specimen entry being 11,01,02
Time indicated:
2,01,16
